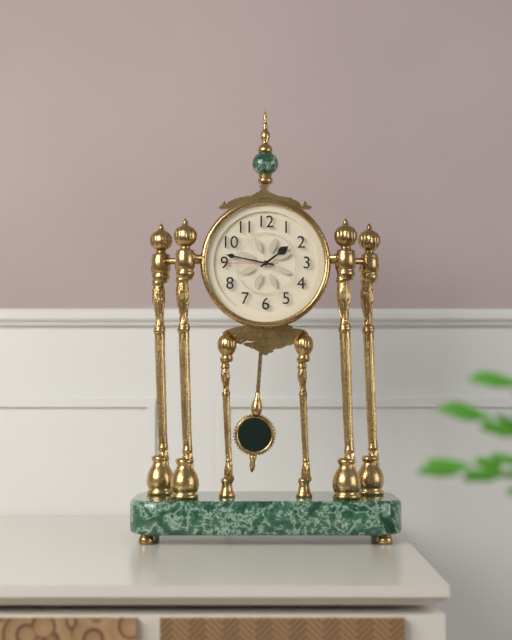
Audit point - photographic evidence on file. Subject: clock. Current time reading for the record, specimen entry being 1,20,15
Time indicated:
1,47,45
